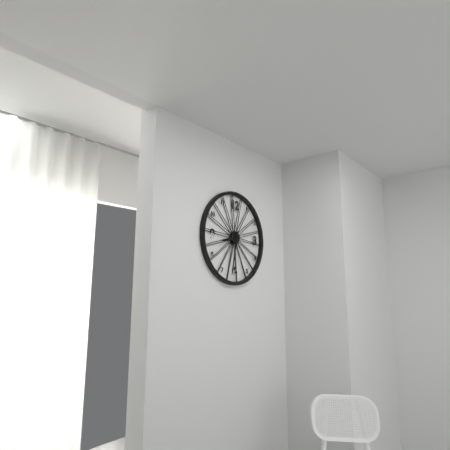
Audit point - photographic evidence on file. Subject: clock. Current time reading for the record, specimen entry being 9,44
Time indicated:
8,32
